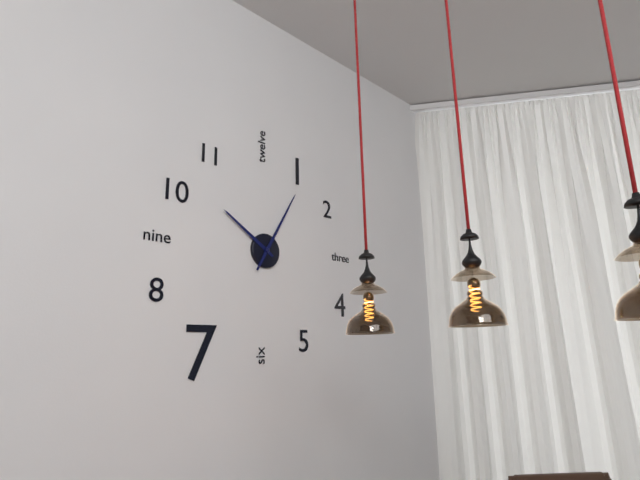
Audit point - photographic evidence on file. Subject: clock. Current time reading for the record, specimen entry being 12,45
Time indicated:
10,05
